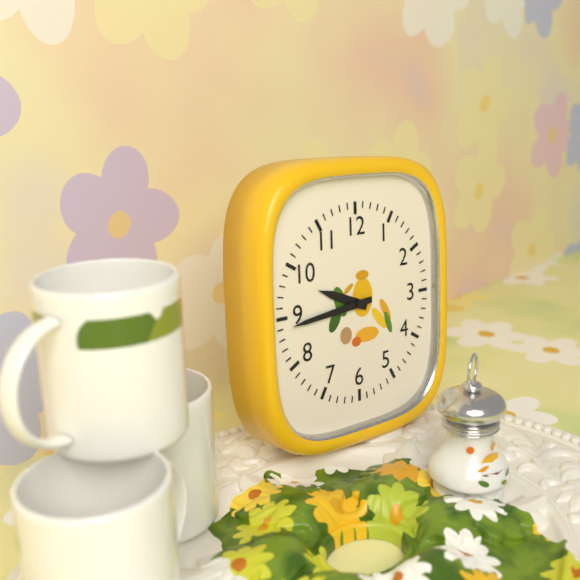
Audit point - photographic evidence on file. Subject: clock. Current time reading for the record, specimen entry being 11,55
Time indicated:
9,44
